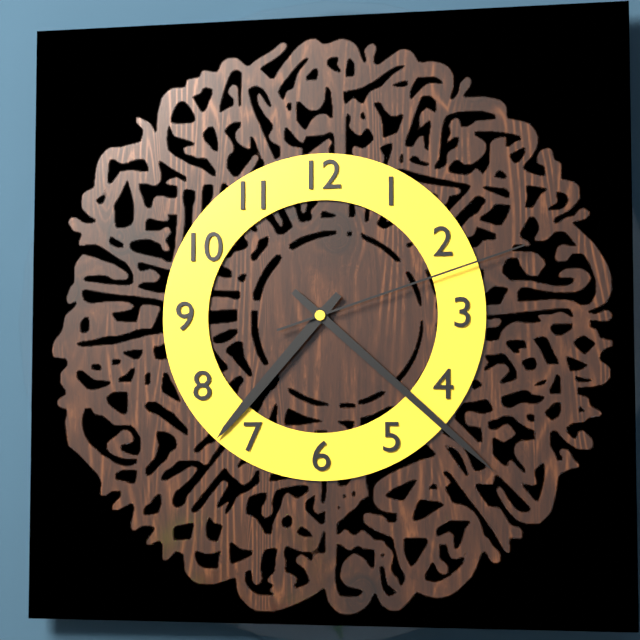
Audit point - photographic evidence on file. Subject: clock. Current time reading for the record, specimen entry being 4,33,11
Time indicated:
7,22,12
